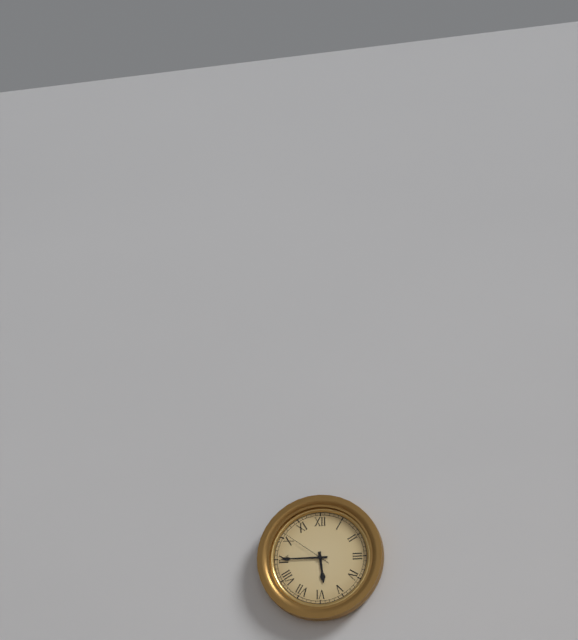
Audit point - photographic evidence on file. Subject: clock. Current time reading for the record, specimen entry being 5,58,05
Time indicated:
5,45,51
